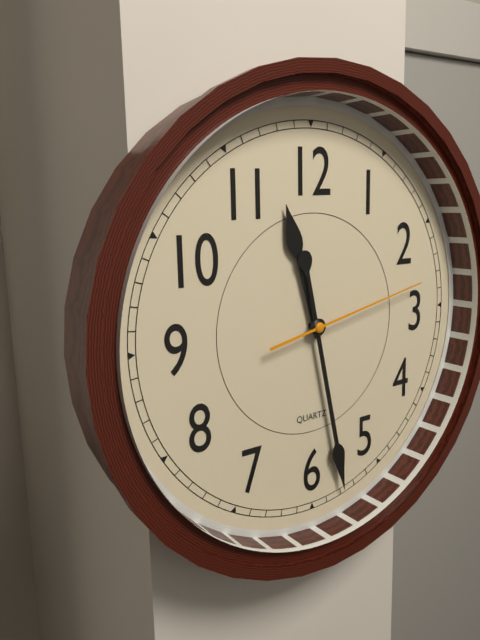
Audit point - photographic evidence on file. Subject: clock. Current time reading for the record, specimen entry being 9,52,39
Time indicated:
11,28,13
